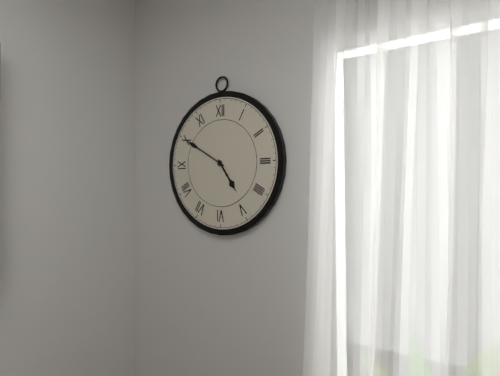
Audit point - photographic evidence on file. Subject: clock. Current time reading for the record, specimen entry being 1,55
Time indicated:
4,50
